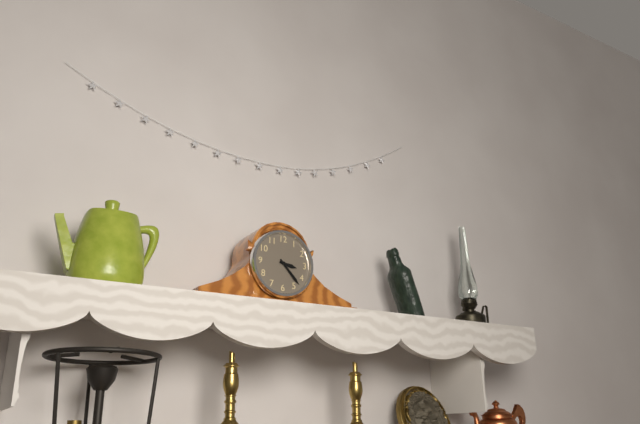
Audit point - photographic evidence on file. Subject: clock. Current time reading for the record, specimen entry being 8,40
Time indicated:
3,23
